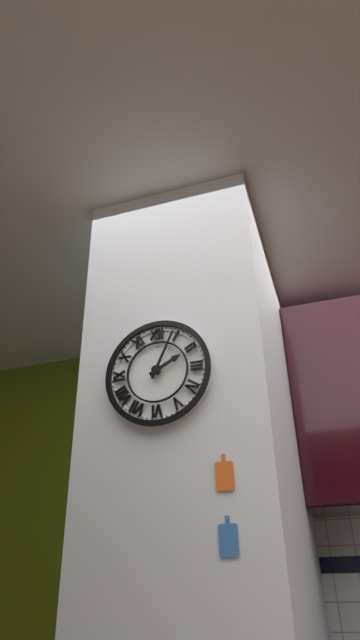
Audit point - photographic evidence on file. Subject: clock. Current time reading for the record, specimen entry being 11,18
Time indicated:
2,04
